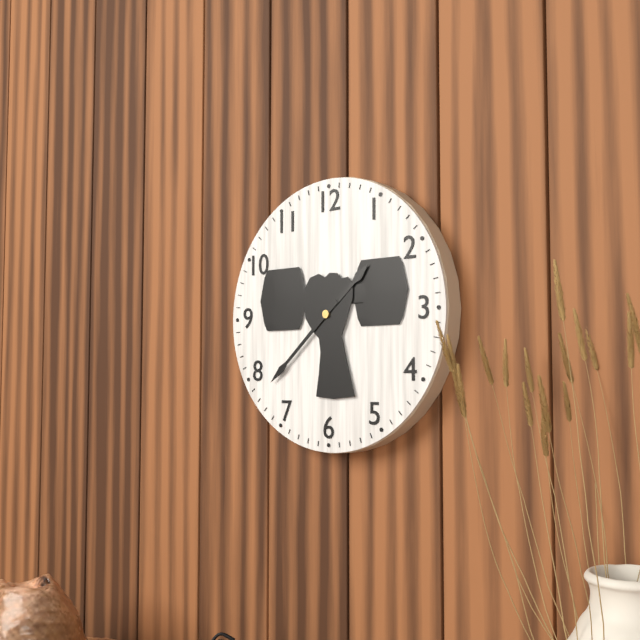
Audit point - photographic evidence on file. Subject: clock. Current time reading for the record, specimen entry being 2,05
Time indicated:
1,38
